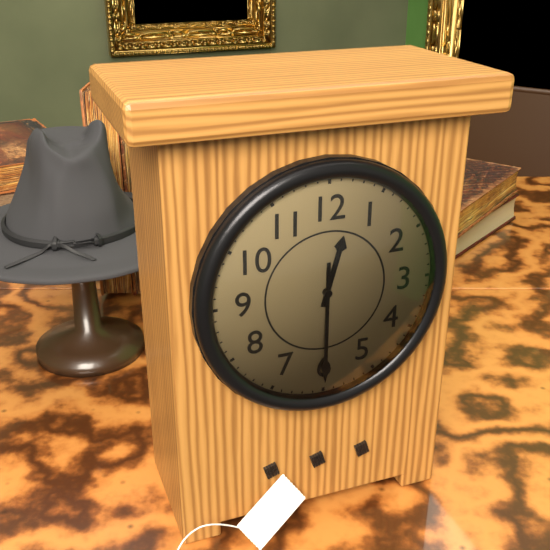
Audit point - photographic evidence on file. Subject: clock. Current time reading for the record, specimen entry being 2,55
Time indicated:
12,30
